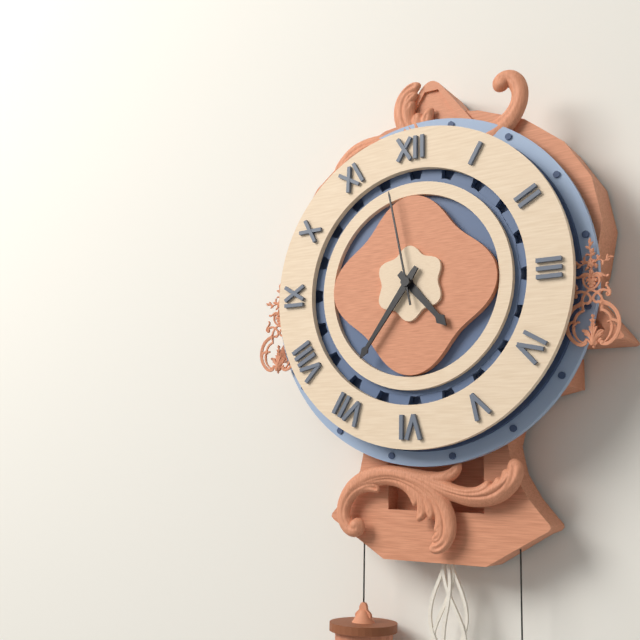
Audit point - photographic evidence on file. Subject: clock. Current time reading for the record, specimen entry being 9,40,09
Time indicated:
4,36,58
